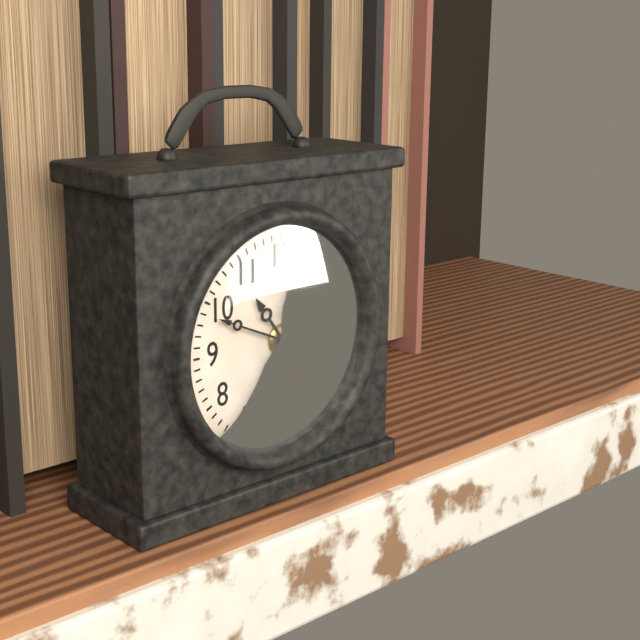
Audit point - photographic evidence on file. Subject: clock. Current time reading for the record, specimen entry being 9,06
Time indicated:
10,49
